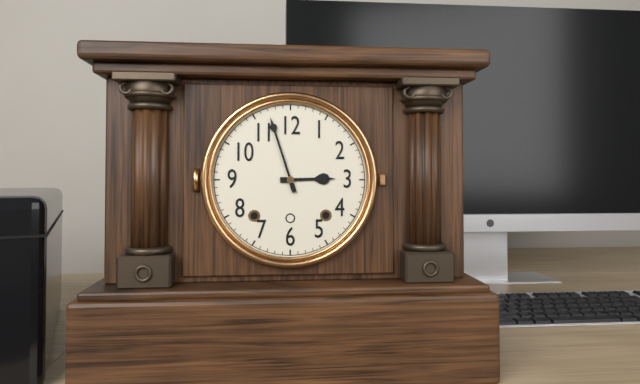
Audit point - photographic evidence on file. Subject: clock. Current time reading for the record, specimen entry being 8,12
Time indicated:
2,57
